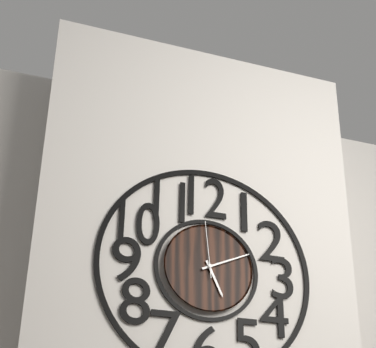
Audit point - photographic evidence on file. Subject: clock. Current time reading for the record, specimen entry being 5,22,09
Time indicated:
5,11,59
